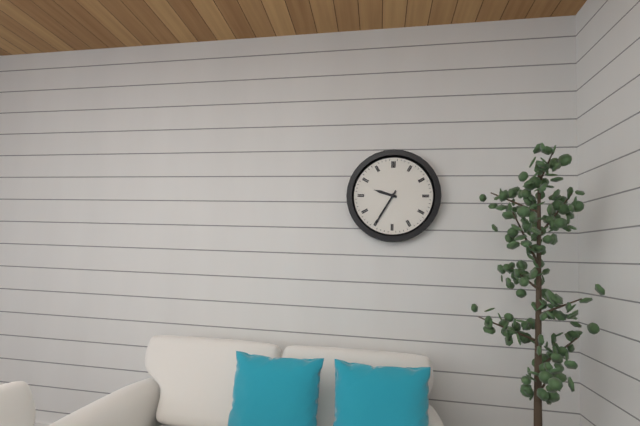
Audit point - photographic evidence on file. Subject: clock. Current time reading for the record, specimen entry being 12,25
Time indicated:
9,35
